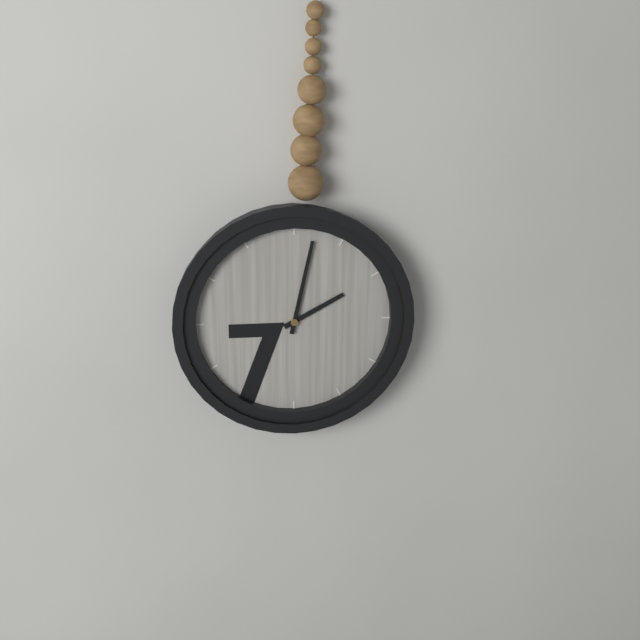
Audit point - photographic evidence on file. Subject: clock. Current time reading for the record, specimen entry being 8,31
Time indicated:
2,02
